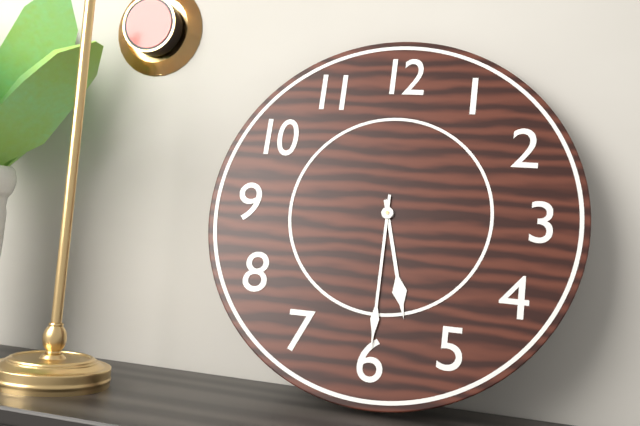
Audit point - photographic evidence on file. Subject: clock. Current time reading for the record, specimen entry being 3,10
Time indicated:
5,30
